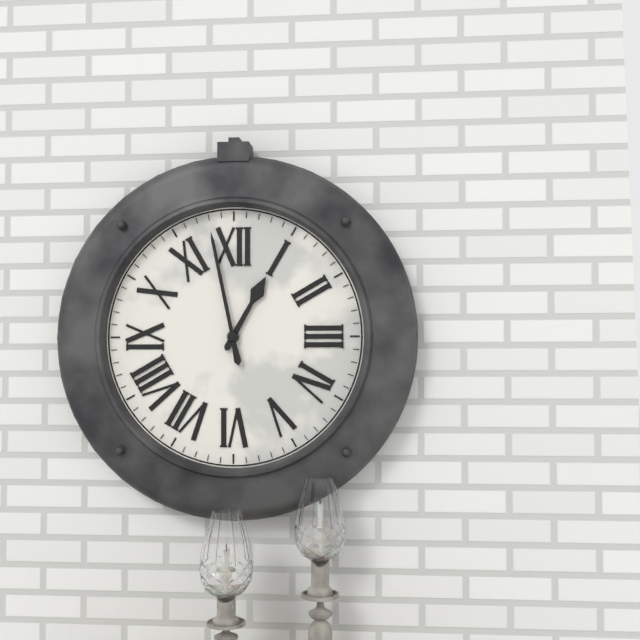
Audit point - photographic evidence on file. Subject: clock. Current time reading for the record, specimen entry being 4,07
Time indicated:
12,58
